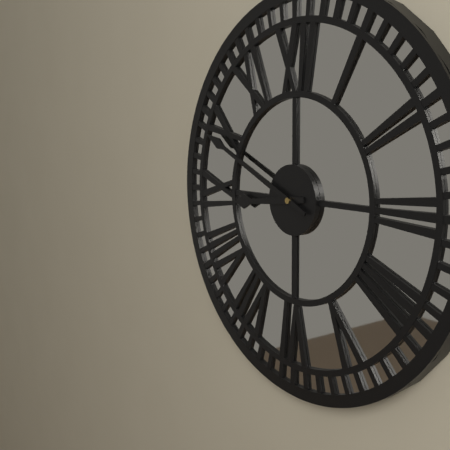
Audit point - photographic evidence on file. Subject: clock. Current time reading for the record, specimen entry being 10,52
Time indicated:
8,49
